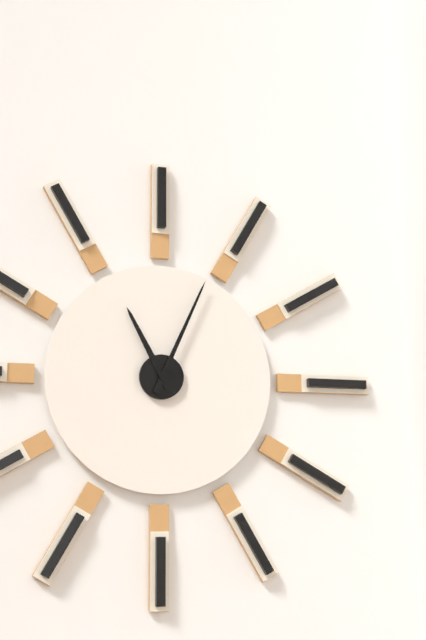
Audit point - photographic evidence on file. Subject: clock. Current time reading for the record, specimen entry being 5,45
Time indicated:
11,04
